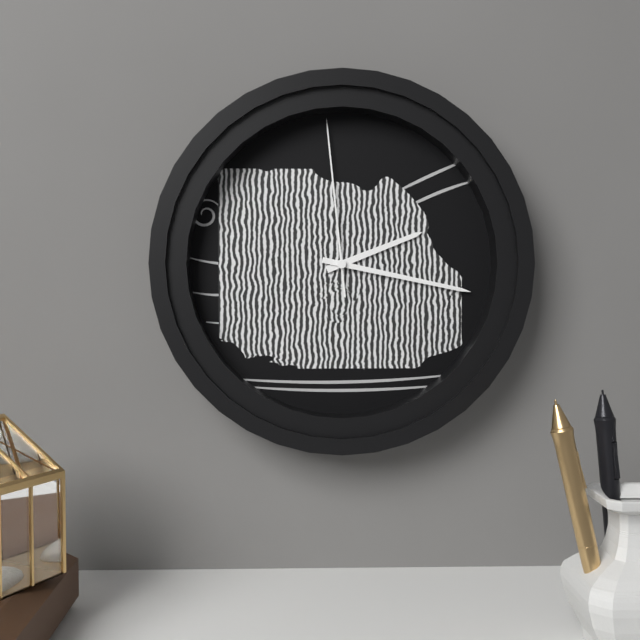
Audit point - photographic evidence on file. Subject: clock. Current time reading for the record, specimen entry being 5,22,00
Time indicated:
2,17,59
